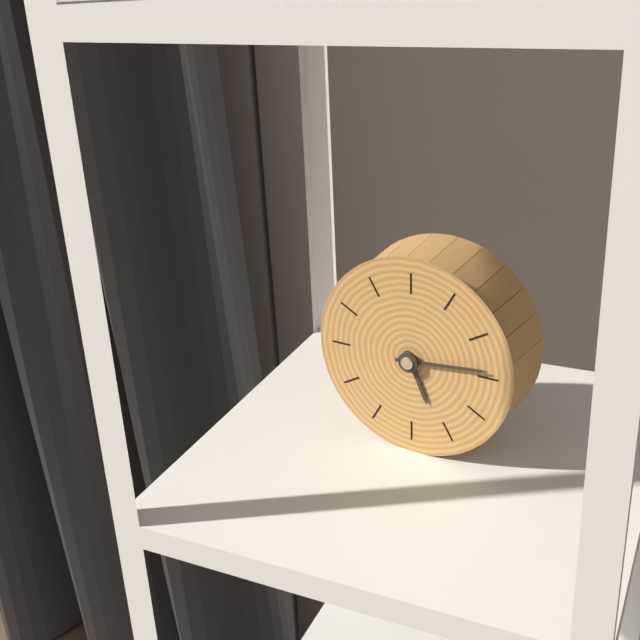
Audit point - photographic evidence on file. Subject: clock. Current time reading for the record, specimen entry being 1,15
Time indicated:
5,14
